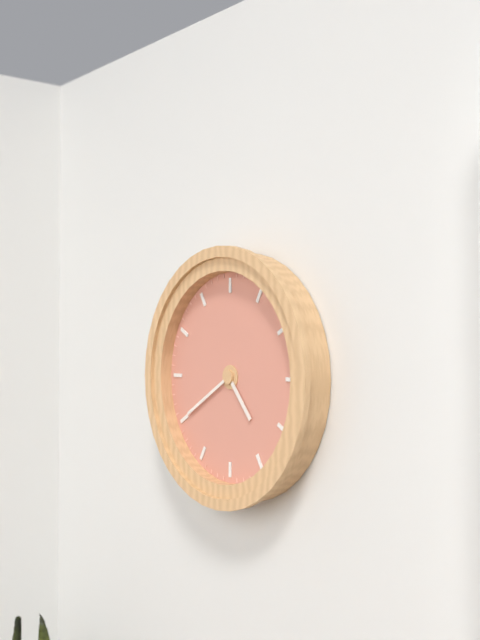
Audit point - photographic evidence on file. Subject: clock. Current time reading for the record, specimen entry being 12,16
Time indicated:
4,40
